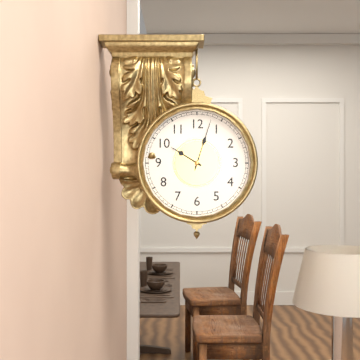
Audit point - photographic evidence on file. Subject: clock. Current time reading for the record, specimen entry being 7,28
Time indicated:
10,03
